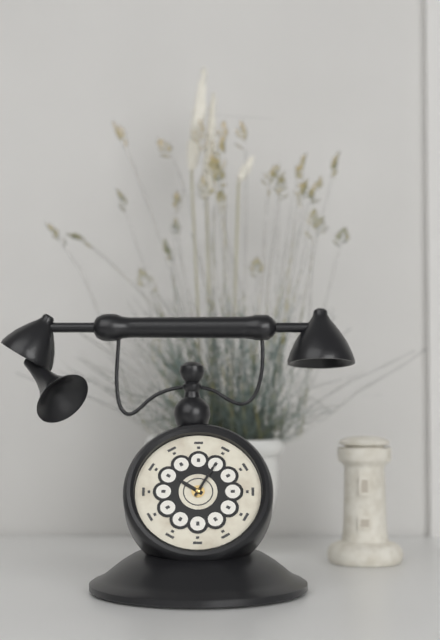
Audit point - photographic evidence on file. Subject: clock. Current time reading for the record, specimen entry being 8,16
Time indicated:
10,05
